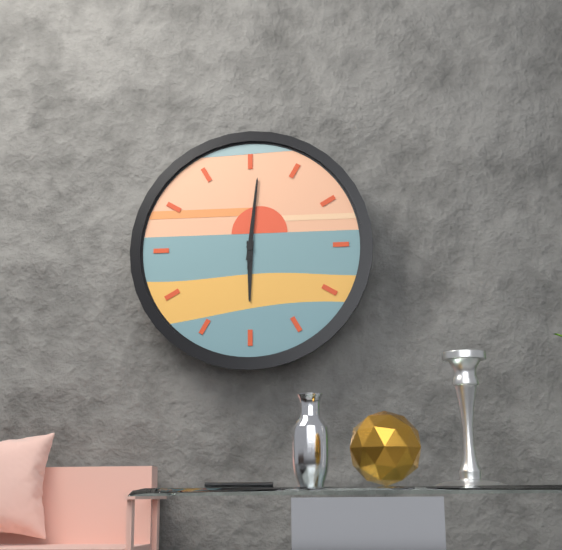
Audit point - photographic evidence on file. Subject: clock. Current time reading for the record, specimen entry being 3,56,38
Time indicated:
6,01,01
